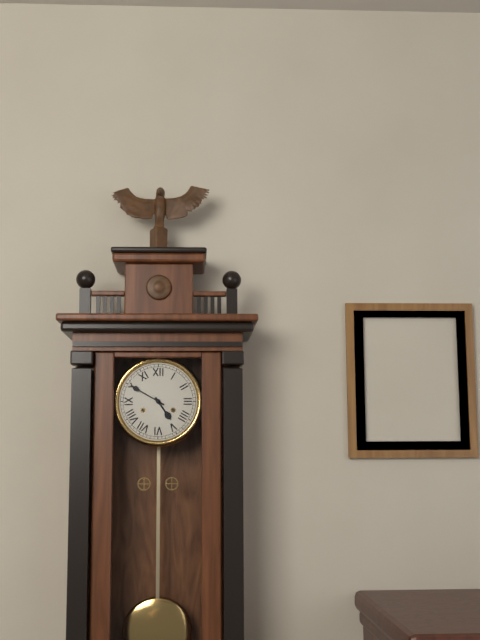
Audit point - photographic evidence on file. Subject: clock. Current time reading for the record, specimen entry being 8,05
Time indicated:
4,50
